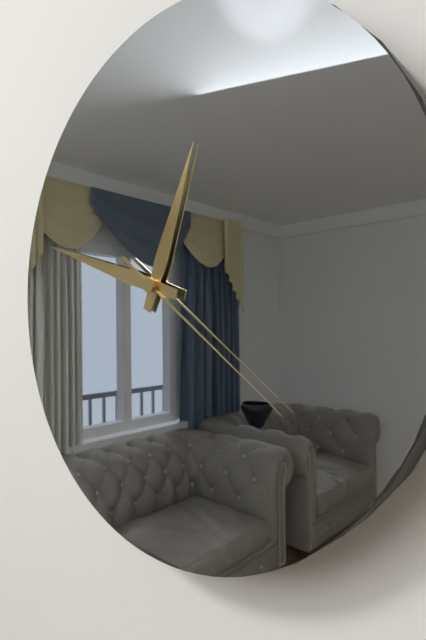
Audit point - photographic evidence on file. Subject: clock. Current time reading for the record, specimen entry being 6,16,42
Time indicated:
12,48,21
